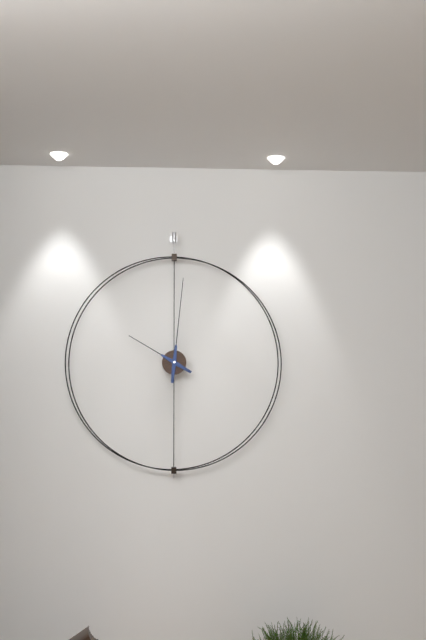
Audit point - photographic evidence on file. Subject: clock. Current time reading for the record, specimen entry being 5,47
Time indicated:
10,01
